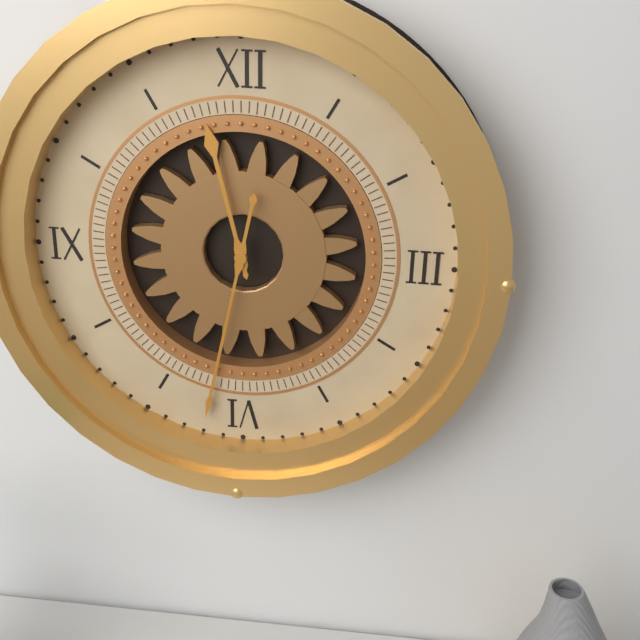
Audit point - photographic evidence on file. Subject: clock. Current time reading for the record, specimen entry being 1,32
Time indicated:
11,32
